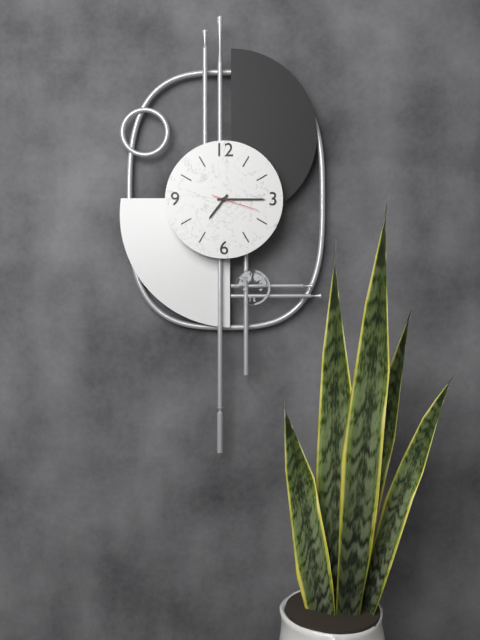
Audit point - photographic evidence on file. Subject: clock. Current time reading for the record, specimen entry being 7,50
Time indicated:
7,15
